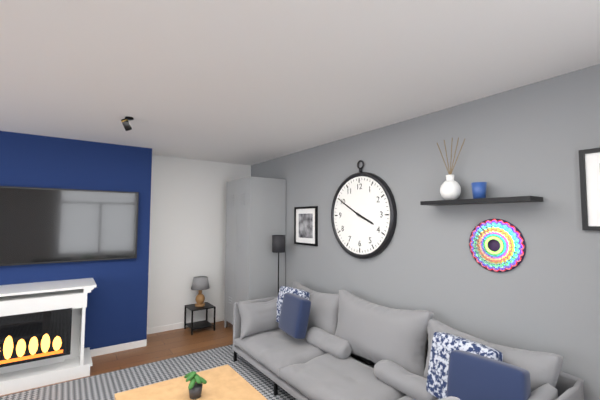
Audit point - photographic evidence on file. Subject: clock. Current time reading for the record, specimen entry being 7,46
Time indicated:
3,50
